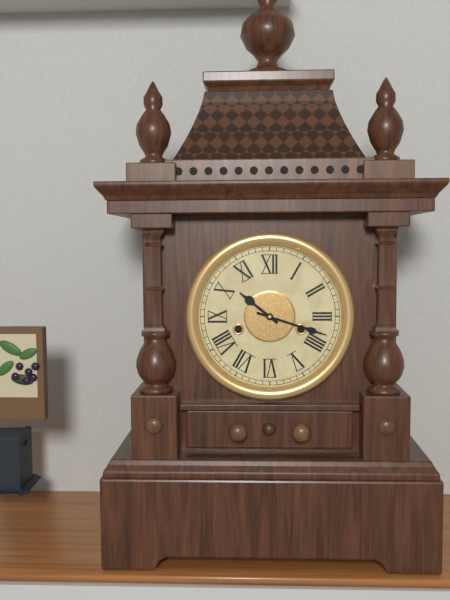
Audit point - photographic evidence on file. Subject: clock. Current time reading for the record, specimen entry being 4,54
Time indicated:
10,18
